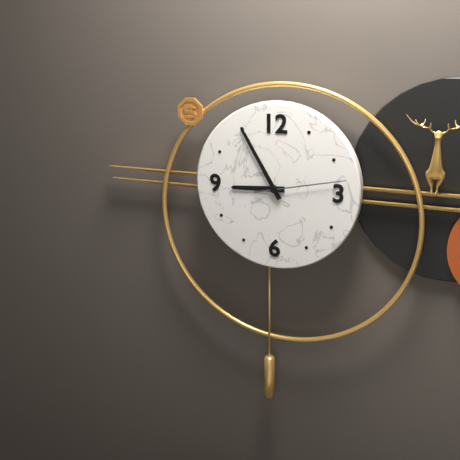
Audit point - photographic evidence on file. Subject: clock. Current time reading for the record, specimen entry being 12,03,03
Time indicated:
8,55,13
